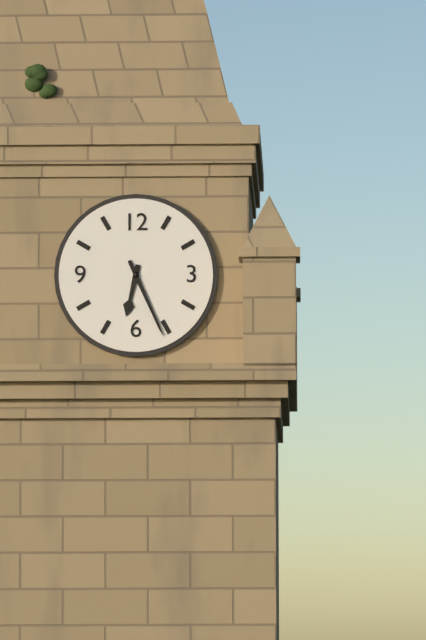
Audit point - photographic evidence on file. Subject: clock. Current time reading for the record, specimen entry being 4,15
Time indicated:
6,26
